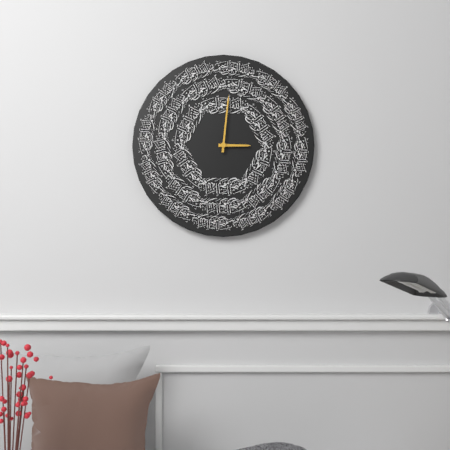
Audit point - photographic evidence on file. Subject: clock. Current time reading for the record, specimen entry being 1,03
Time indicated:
3,01
